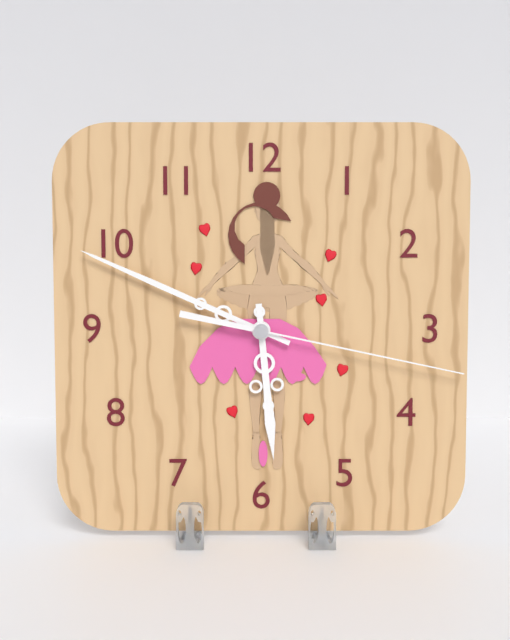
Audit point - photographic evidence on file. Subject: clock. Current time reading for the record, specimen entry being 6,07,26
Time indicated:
5,49,17
